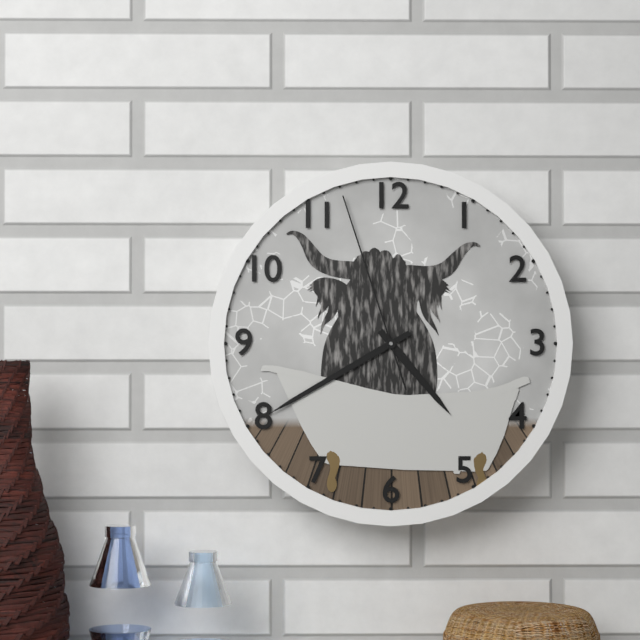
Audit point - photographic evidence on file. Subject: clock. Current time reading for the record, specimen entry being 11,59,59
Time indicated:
4,40,57
